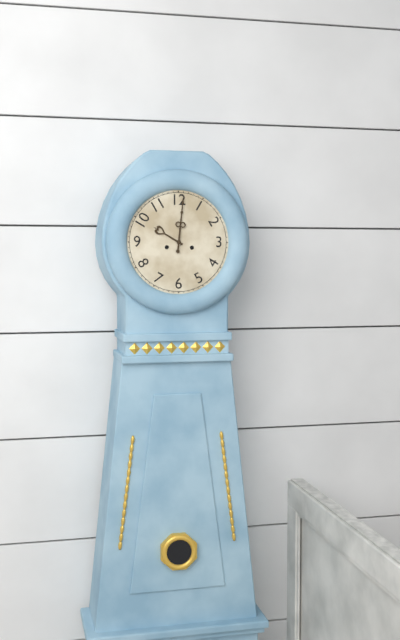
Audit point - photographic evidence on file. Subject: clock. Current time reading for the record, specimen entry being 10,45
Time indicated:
10,01
